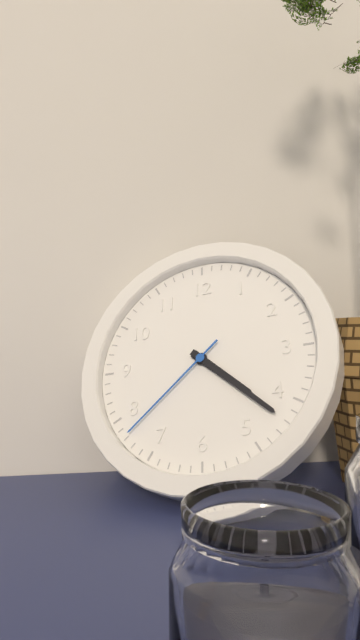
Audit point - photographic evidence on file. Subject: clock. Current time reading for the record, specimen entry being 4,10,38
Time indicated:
4,22,38
